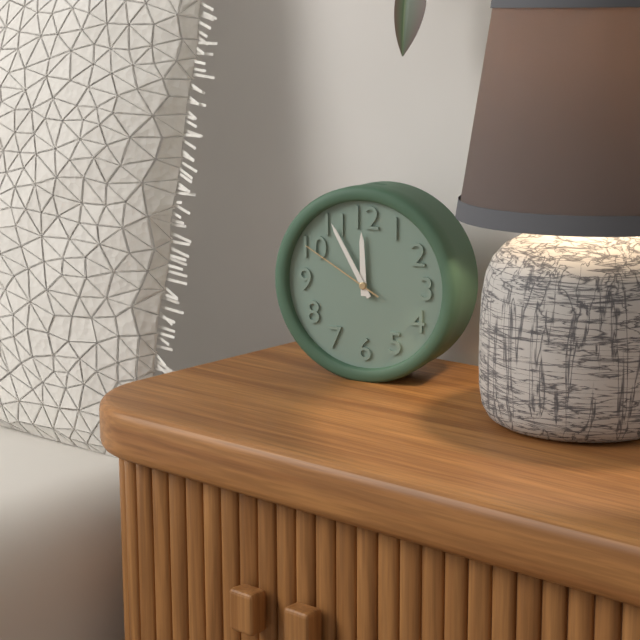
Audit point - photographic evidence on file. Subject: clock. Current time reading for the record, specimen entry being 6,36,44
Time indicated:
11,55,50
